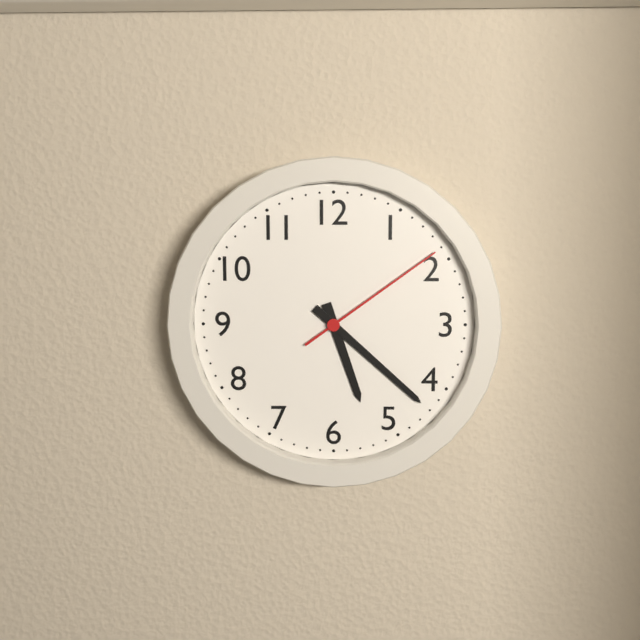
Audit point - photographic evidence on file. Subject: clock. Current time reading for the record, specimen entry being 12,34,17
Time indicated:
5,22,09
